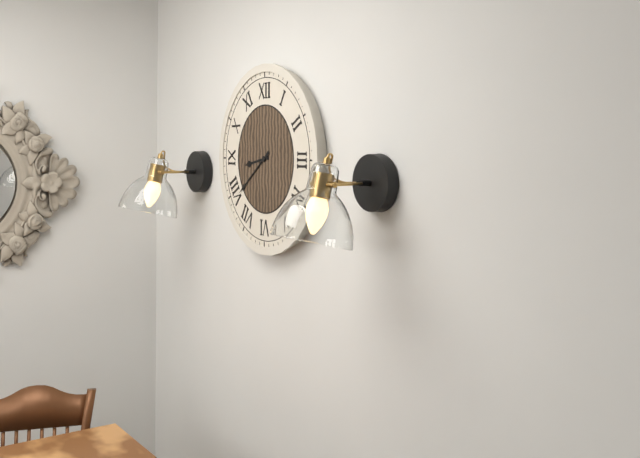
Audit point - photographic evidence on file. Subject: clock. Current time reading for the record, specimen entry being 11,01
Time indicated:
8,39
